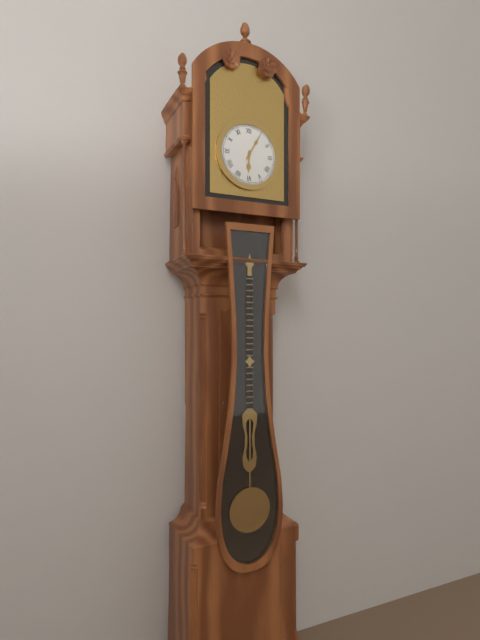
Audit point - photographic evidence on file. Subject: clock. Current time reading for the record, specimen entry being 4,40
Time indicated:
6,05
